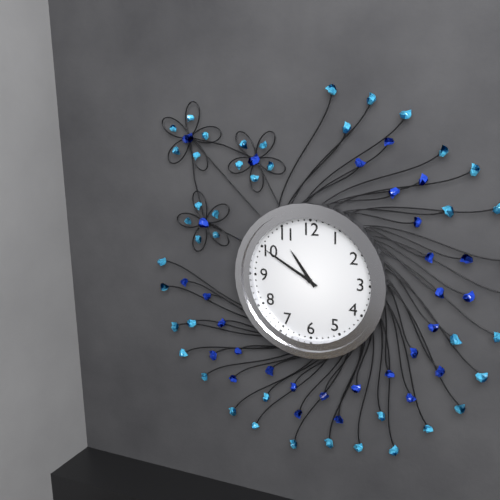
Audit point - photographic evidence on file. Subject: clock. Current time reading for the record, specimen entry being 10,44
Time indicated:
10,50
